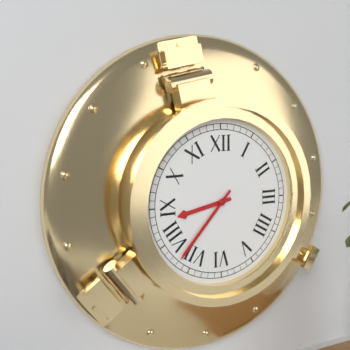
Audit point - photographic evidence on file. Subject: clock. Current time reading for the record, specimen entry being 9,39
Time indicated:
8,37
